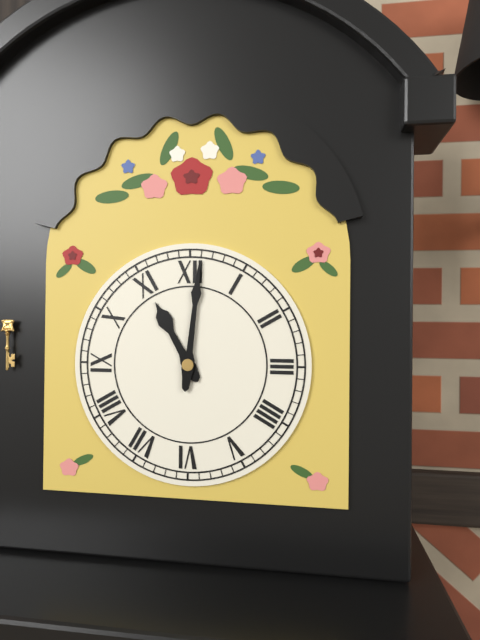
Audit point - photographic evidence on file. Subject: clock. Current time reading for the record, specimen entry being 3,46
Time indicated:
11,01
